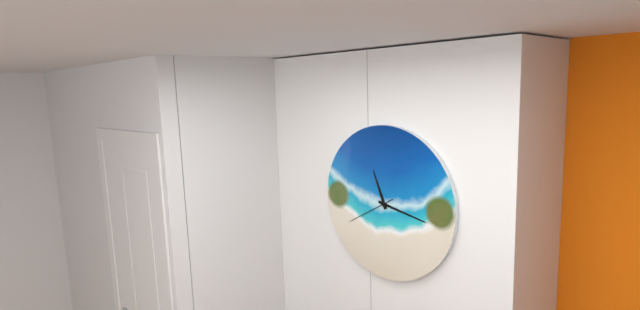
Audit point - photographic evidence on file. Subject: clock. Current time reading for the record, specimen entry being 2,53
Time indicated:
11,17
